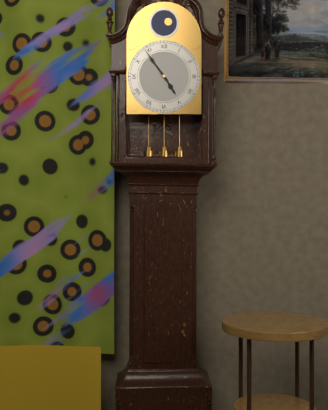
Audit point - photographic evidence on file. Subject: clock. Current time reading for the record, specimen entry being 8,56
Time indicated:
4,54
